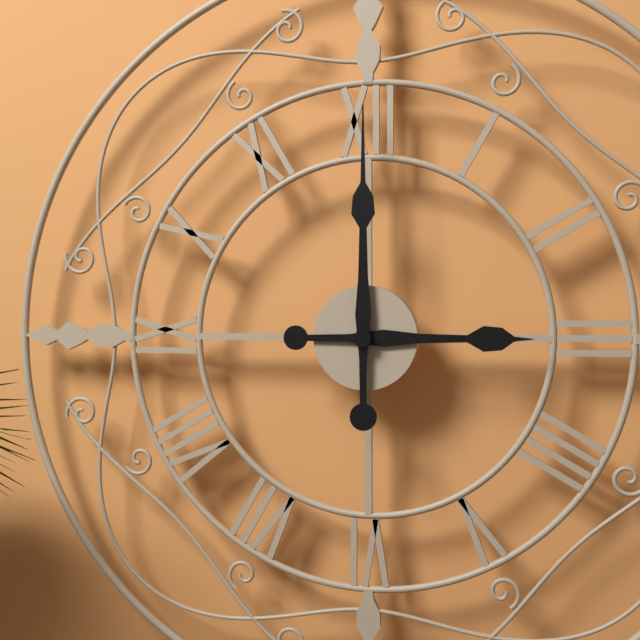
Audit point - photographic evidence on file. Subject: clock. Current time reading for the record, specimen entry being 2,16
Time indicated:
3,00
